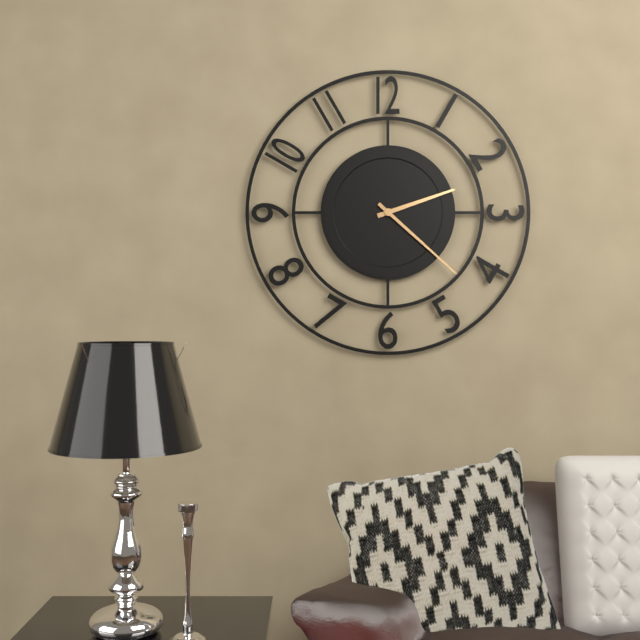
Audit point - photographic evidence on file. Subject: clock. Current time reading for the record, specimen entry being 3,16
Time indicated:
2,22
